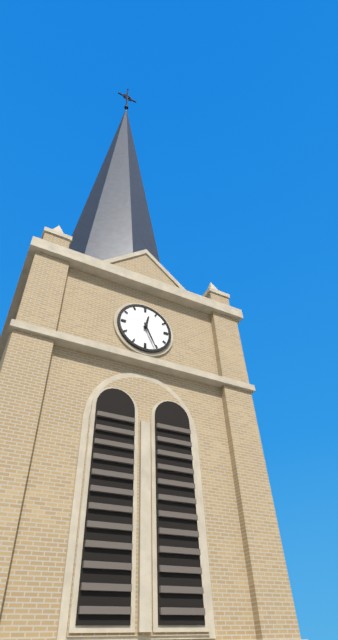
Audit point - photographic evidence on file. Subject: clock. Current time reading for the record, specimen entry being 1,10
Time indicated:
12,26
